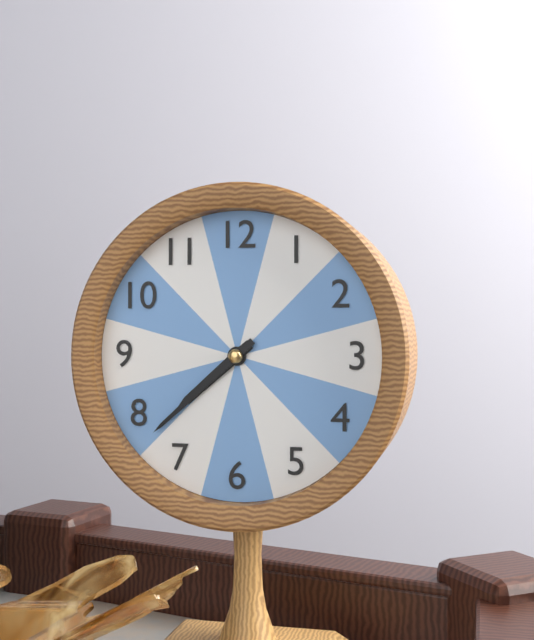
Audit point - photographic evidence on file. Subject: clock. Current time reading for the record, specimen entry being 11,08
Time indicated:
7,38
